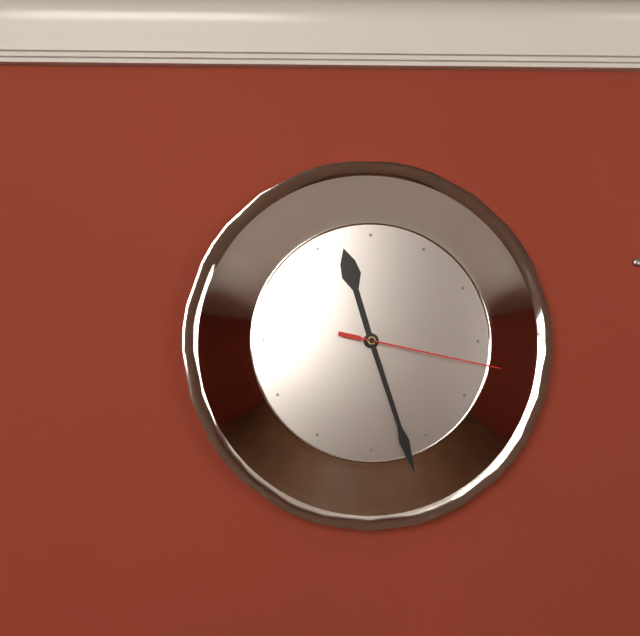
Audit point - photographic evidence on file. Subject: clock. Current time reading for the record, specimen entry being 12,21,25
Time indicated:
11,27,17
